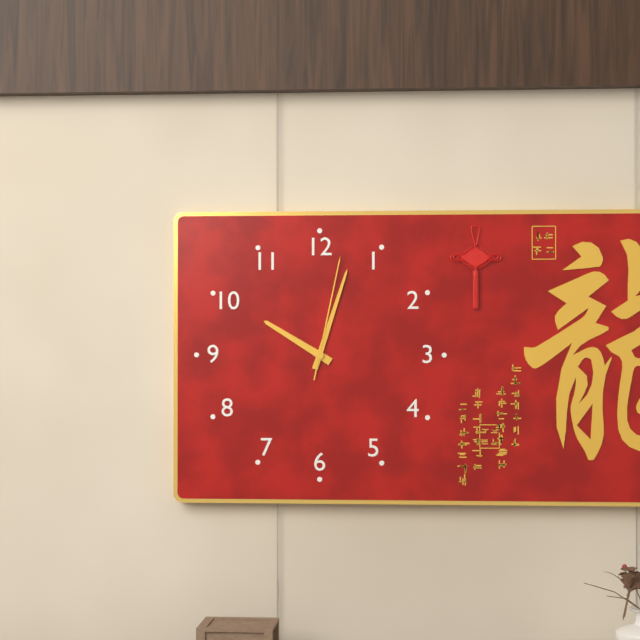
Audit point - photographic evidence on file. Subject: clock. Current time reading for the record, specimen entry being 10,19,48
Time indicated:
10,03,02
